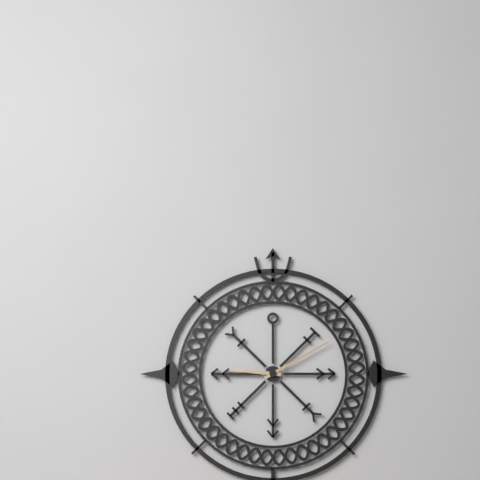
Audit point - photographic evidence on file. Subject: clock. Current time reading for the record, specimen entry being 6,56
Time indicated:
9,10
